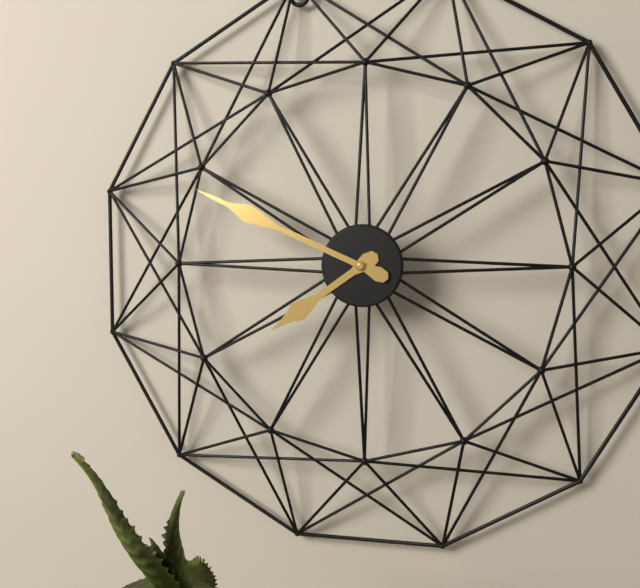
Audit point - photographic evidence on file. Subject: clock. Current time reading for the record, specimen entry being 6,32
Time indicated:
7,49
